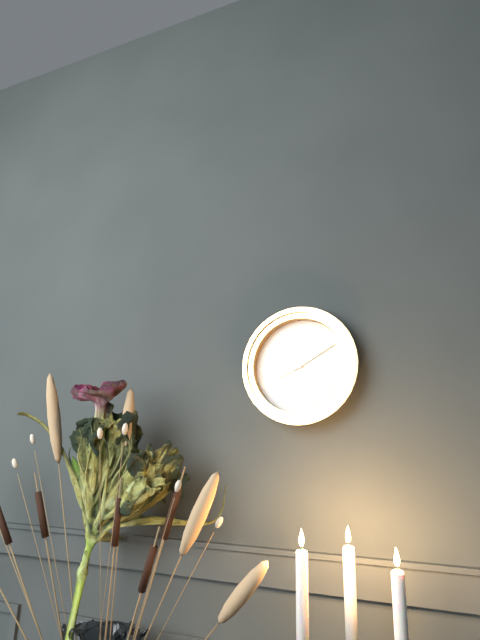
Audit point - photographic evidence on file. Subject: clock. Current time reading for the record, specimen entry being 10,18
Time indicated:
8,10
